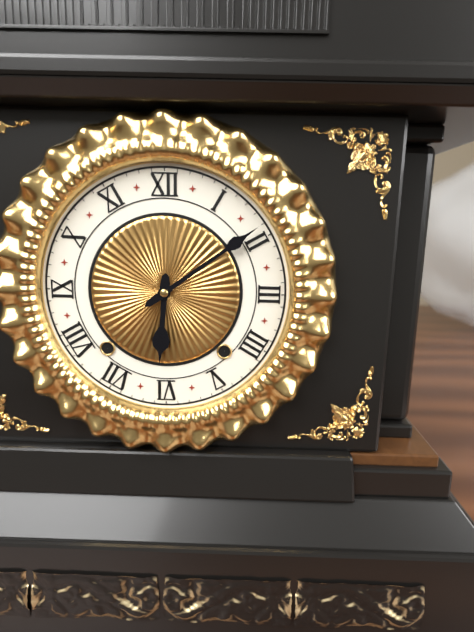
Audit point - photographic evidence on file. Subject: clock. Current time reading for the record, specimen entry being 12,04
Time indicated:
6,09
